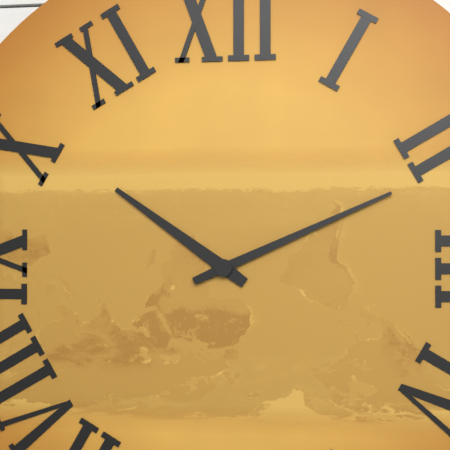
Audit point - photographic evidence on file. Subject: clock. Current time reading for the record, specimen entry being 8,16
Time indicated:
10,11
